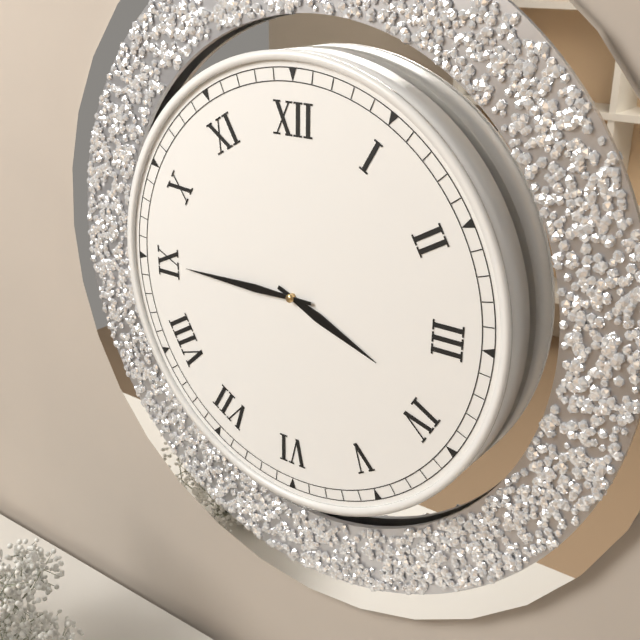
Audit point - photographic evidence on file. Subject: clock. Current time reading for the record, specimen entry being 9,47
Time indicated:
3,45
